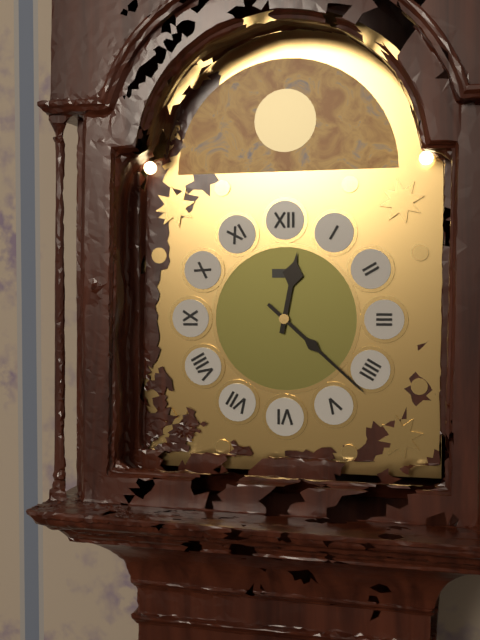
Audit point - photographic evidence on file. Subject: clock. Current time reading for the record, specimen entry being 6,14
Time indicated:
12,22
